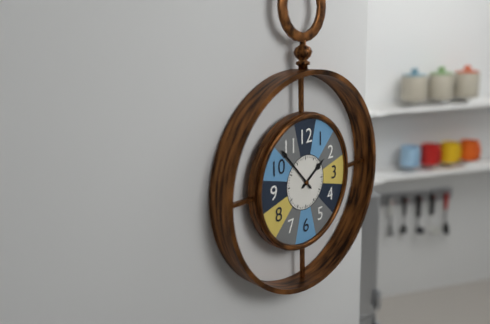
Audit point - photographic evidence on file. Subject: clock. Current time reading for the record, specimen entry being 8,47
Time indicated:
1,53
